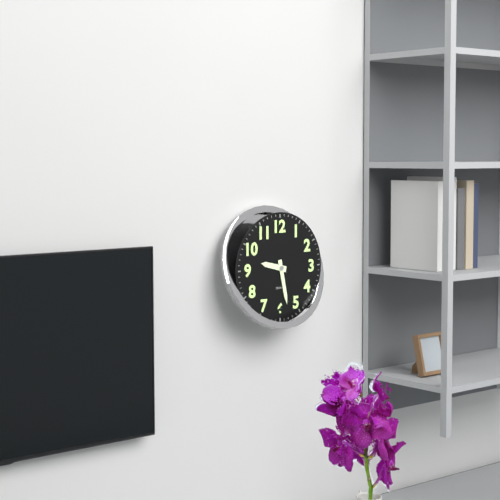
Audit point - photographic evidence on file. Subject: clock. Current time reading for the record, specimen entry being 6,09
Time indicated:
9,28
